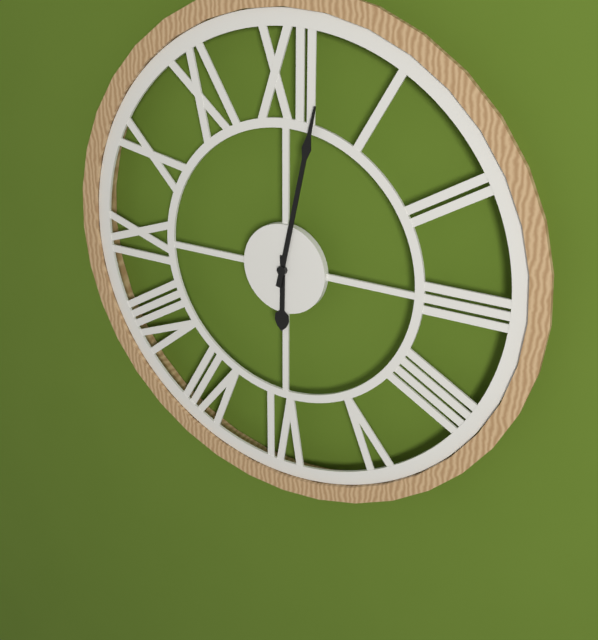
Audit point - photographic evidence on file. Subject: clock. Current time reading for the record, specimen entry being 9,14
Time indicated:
6,02
